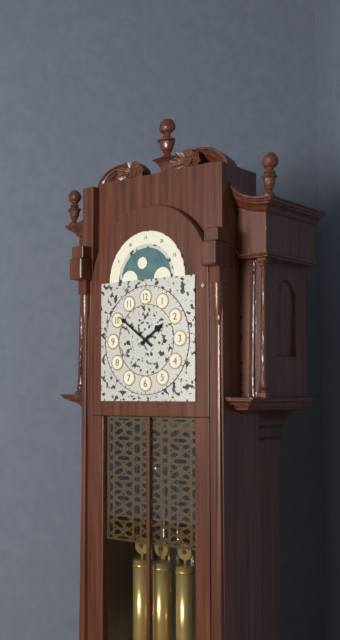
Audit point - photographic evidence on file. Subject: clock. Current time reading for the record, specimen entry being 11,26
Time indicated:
1,51
